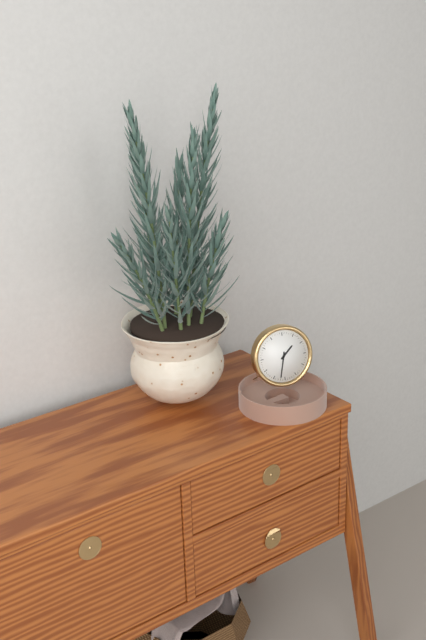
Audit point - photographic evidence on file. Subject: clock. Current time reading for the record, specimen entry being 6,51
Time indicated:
1,32
